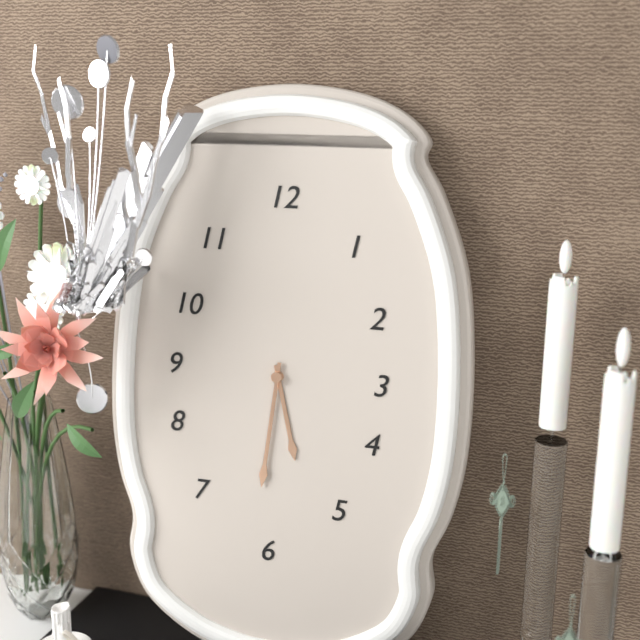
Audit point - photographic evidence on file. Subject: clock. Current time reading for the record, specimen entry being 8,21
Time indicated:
5,31
